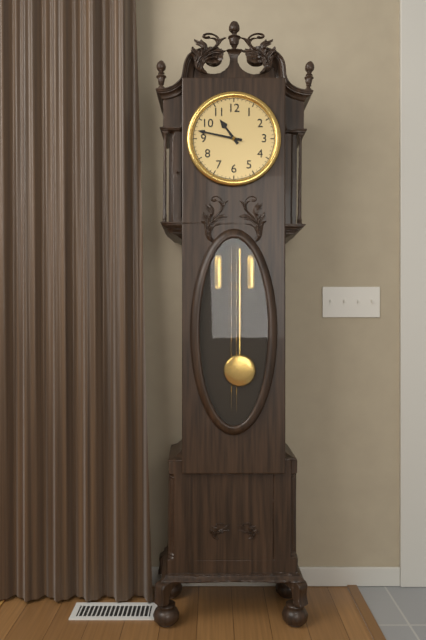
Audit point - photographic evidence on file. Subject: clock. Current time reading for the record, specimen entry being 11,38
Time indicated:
10,47
